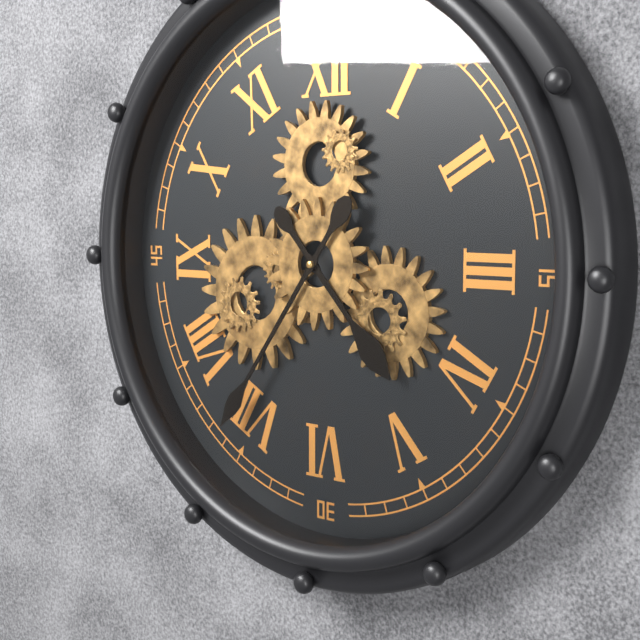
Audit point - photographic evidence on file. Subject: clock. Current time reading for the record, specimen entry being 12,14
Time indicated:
4,36
